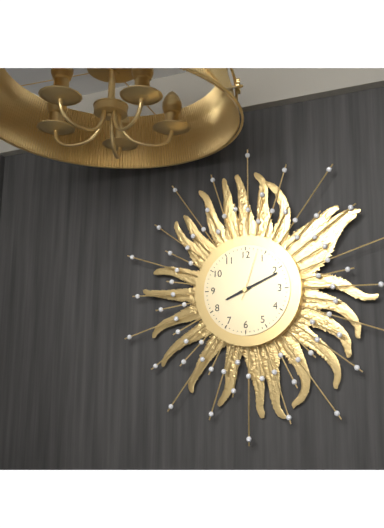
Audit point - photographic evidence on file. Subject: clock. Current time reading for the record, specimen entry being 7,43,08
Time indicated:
8,11,03
